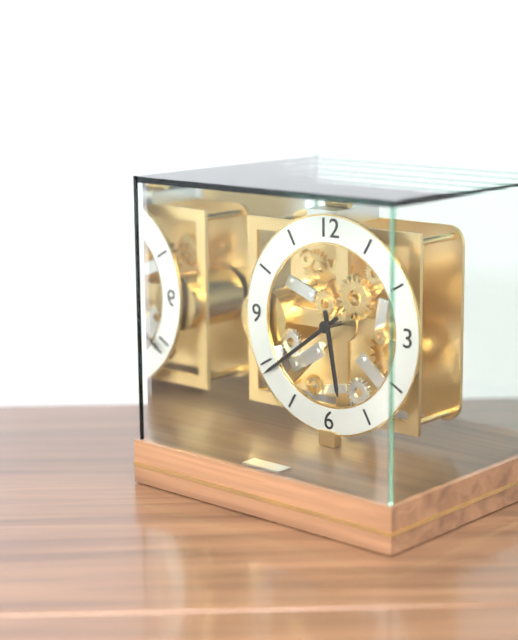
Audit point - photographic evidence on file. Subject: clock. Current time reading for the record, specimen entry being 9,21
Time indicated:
5,39
